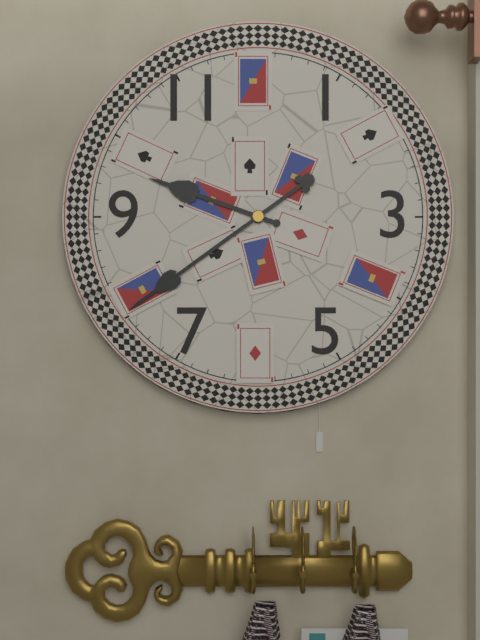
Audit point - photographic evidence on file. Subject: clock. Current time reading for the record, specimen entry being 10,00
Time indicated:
9,39
